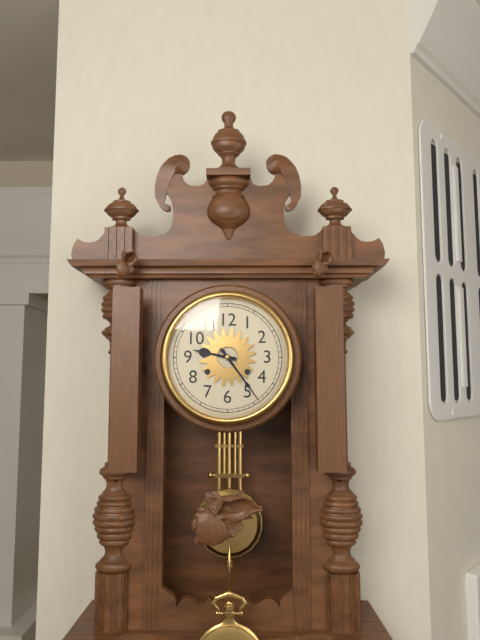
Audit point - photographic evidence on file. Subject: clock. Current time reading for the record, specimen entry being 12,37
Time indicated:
9,24
